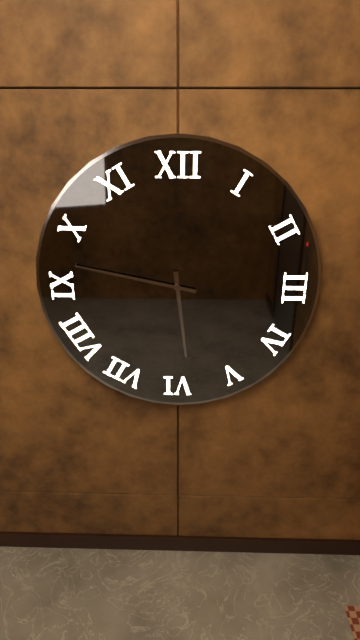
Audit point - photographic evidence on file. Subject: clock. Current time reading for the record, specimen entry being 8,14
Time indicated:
5,47
